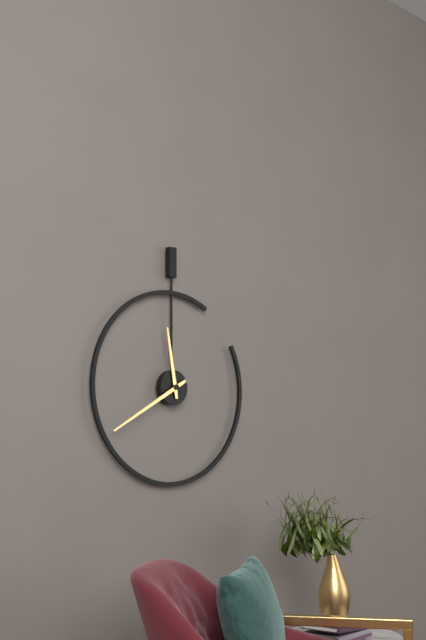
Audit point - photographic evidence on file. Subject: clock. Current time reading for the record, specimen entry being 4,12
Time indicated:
11,40
